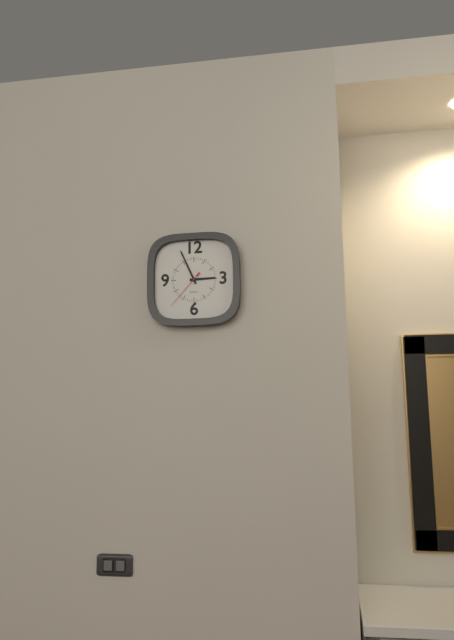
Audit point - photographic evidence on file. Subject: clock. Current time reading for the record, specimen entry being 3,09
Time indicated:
2,56
